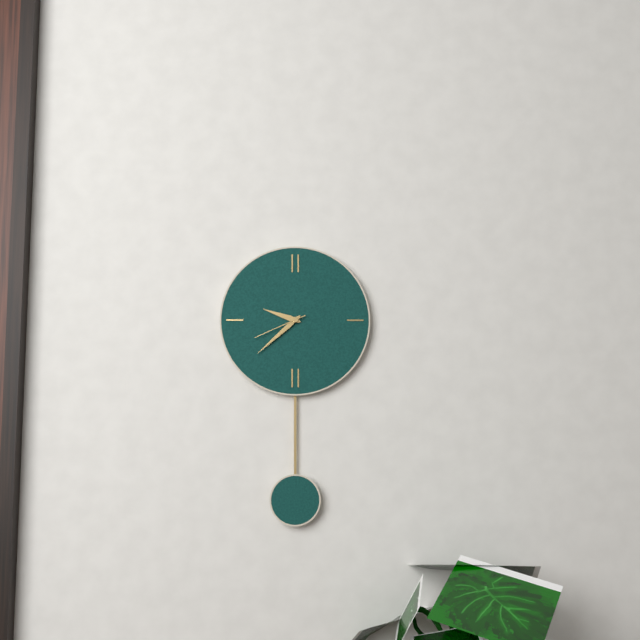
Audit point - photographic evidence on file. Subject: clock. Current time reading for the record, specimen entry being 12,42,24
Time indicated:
9,38,41
